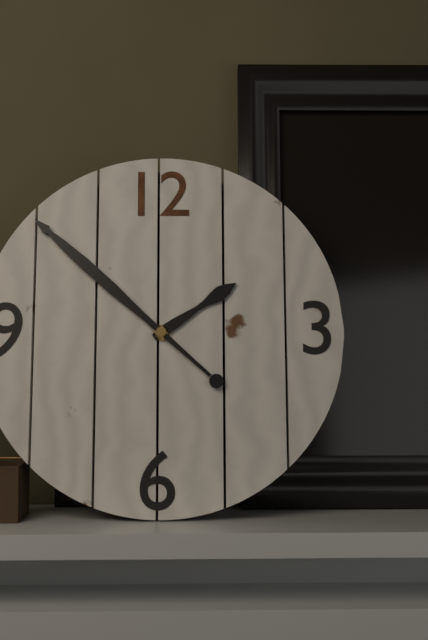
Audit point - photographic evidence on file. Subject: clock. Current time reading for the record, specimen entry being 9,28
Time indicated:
1,52
